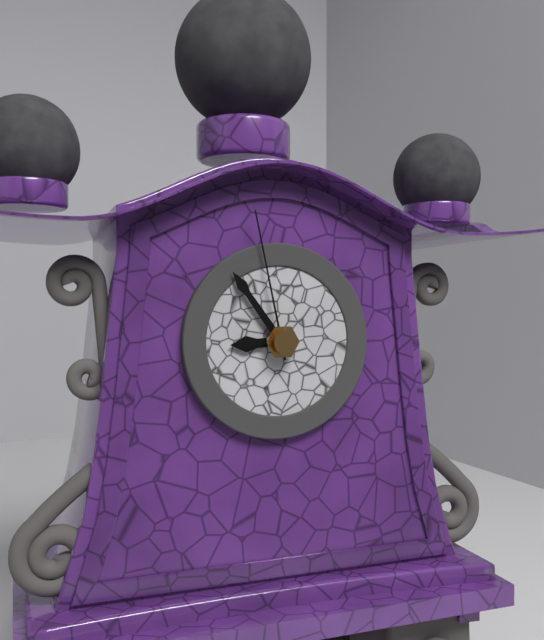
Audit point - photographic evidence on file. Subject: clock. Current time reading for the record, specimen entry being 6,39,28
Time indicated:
8,54,58
